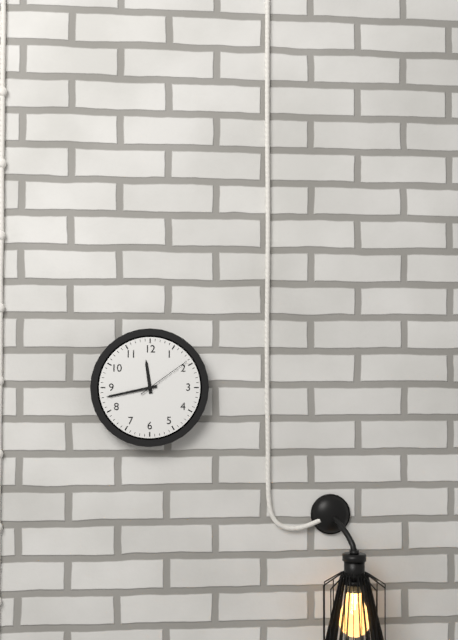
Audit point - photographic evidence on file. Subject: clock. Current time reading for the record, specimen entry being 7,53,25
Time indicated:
11,43,09
